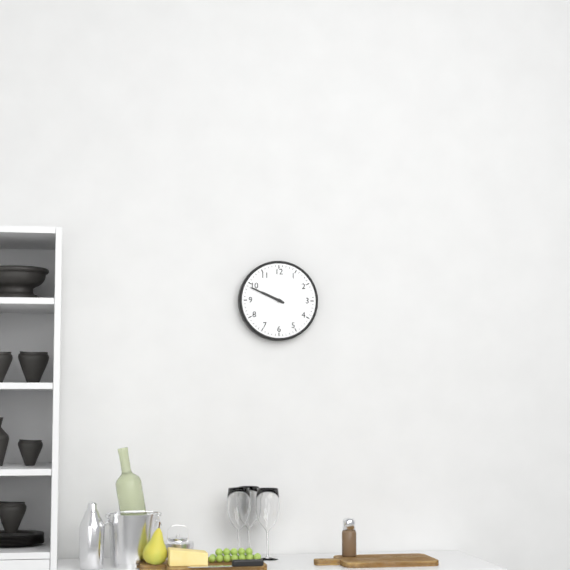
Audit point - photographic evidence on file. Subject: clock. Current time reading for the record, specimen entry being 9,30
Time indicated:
9,49
